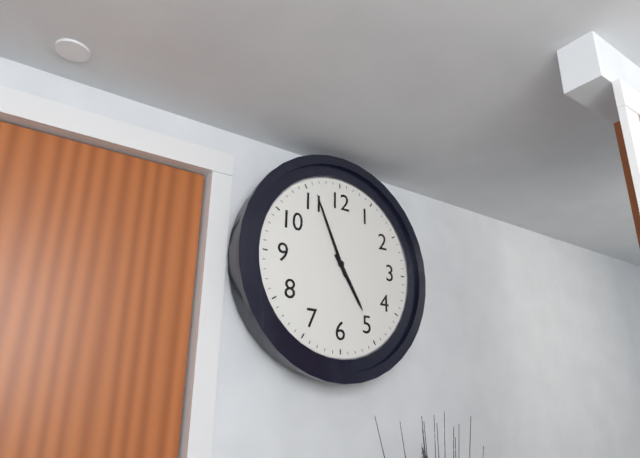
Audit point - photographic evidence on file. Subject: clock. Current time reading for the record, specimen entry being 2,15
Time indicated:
4,56
